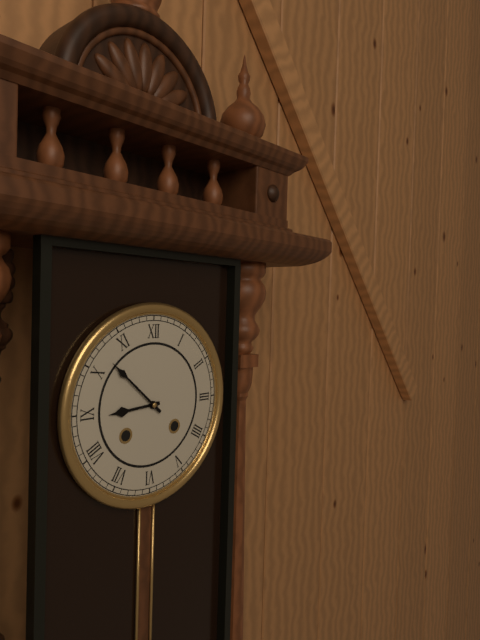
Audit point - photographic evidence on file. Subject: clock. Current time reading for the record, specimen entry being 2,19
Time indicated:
8,52
